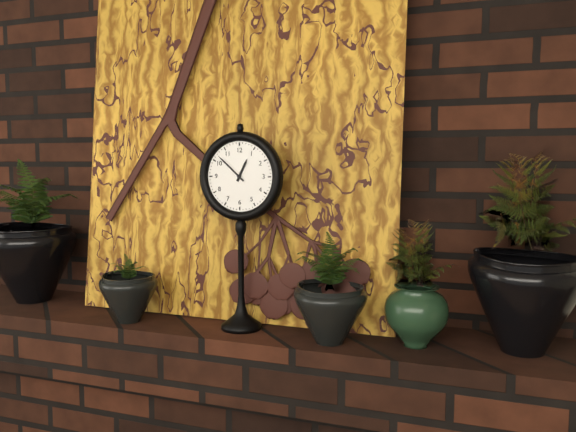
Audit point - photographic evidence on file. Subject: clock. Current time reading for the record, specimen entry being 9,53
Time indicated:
12,52
